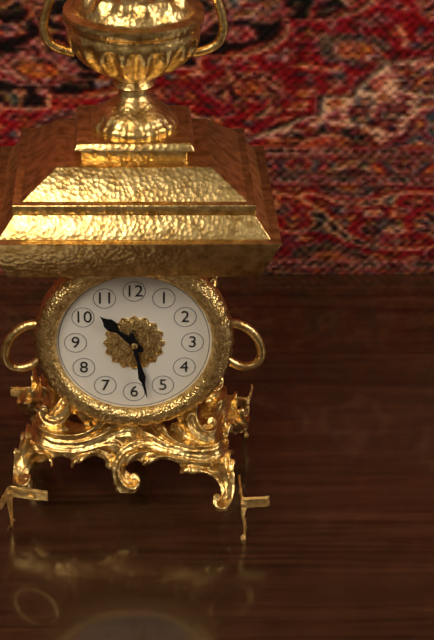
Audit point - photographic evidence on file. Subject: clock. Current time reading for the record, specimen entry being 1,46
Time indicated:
10,28
